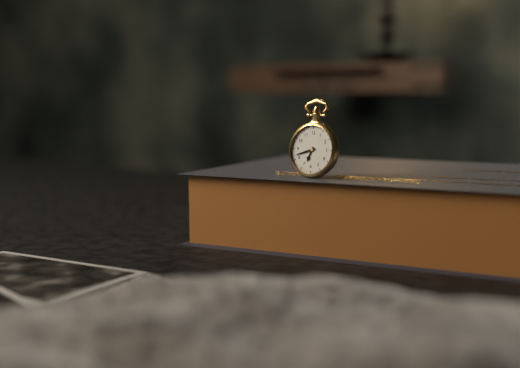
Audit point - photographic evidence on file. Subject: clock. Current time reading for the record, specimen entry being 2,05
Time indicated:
6,42
